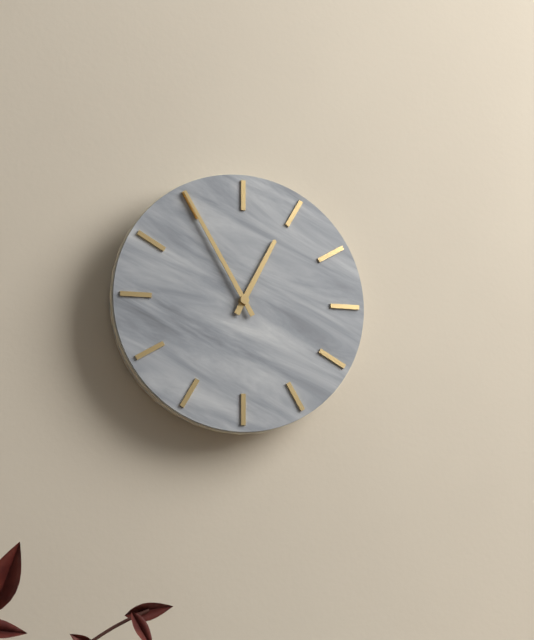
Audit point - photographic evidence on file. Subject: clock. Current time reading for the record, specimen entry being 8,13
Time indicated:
12,55
